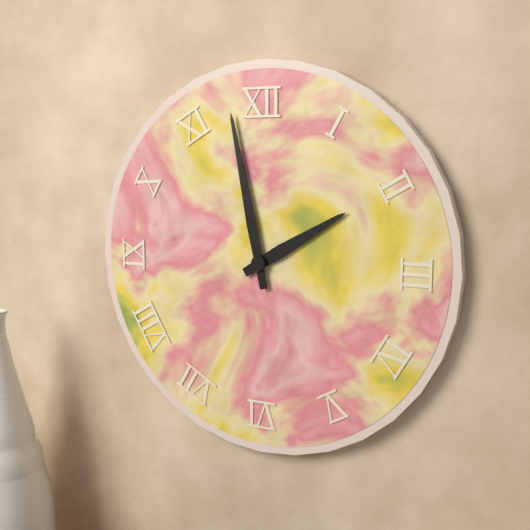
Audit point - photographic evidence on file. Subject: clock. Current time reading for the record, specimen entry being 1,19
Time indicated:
1,58
